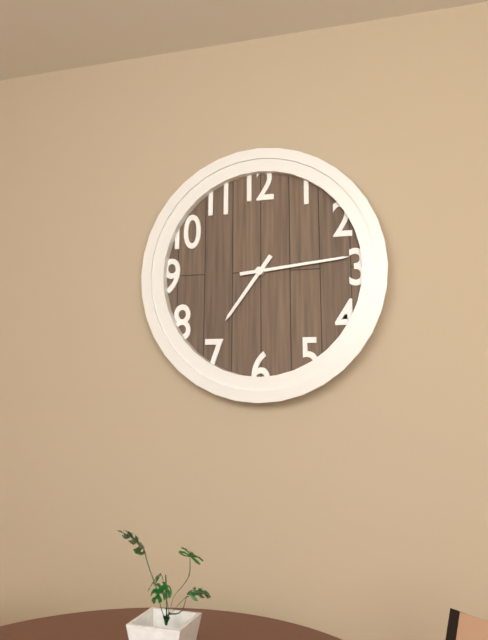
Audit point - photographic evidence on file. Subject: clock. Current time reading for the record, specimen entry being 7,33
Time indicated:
7,14
